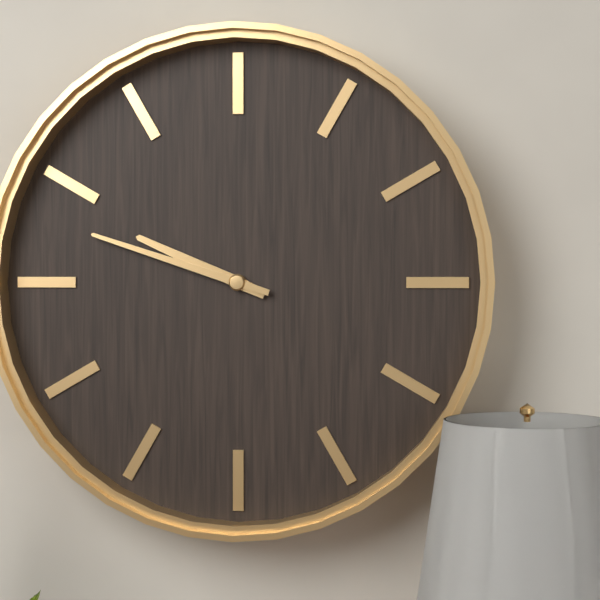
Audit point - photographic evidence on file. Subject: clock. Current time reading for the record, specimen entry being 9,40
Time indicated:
9,48
